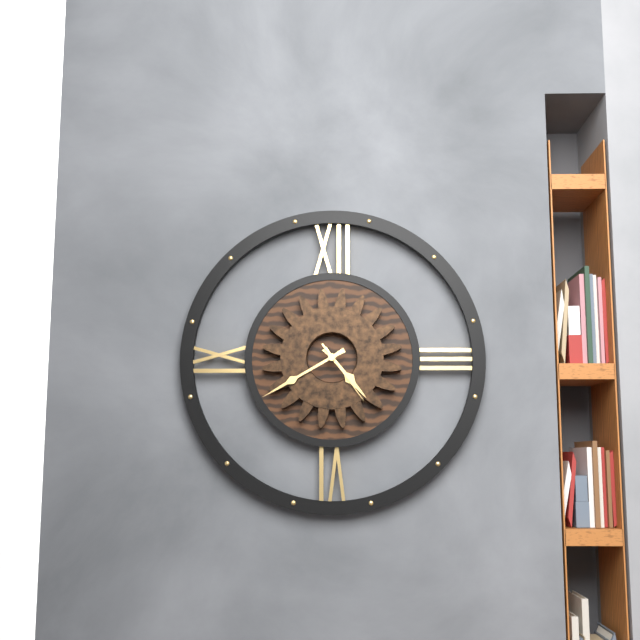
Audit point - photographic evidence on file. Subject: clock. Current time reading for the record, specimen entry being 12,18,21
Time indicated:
4,40,24
